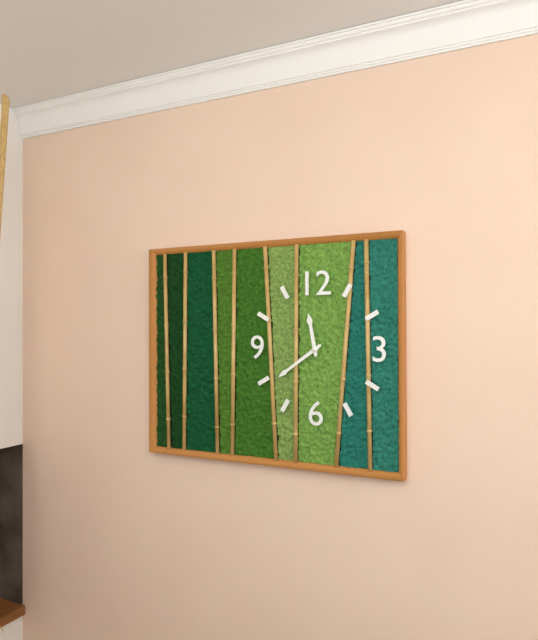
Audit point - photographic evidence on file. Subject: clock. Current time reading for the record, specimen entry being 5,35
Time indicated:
11,39
